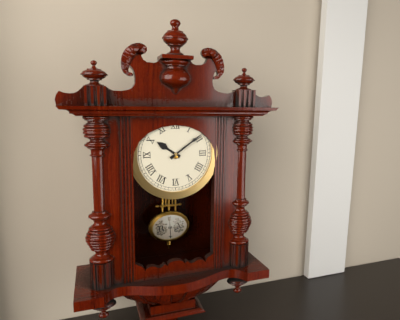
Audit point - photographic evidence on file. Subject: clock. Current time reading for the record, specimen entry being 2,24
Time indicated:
10,09
